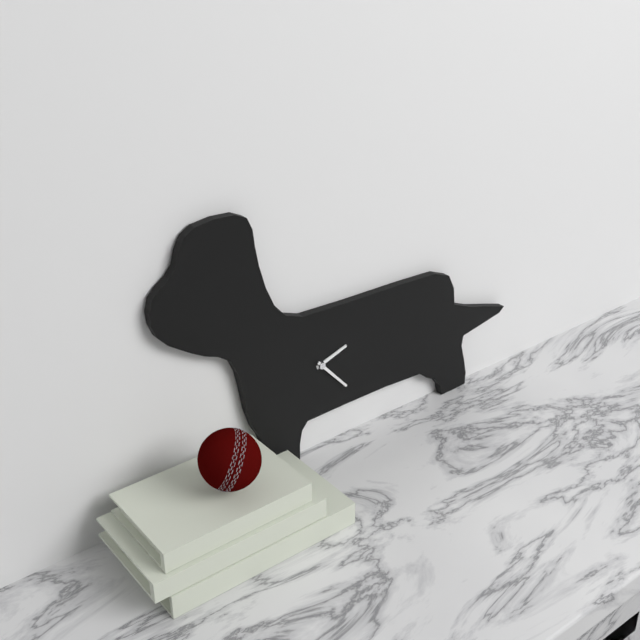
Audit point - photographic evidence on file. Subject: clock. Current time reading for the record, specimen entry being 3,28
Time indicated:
2,23
